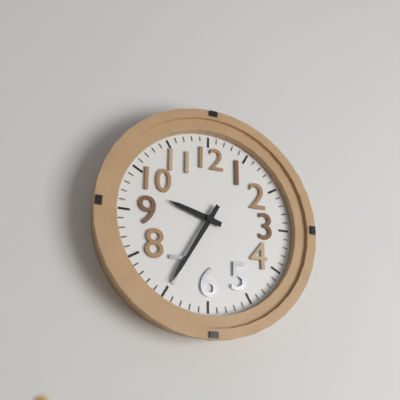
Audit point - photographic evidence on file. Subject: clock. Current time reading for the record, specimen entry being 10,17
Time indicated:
9,35
